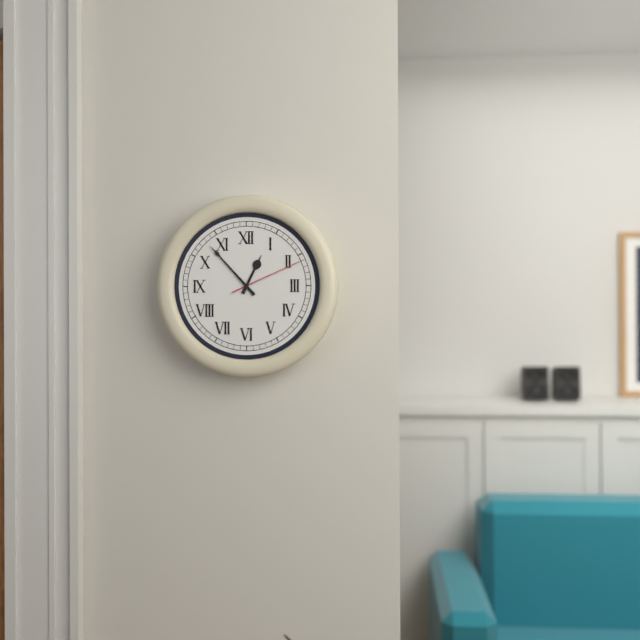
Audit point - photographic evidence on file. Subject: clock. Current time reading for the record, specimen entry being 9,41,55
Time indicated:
12,53,11
